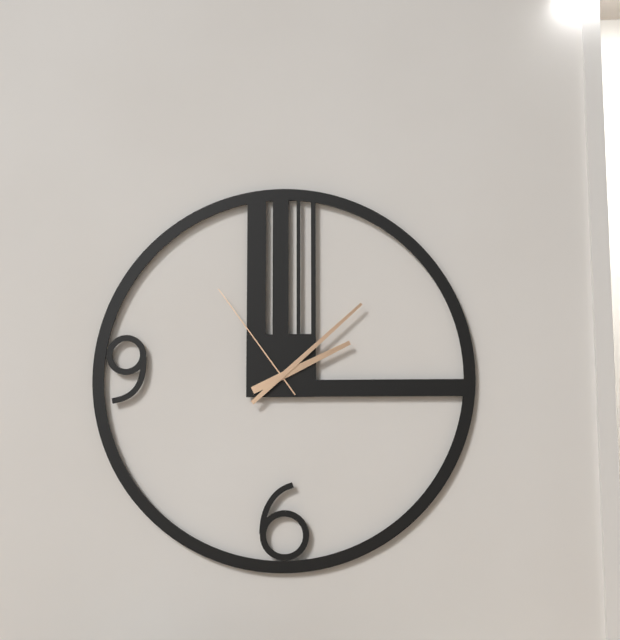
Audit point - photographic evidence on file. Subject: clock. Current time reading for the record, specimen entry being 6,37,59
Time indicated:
2,08,54
